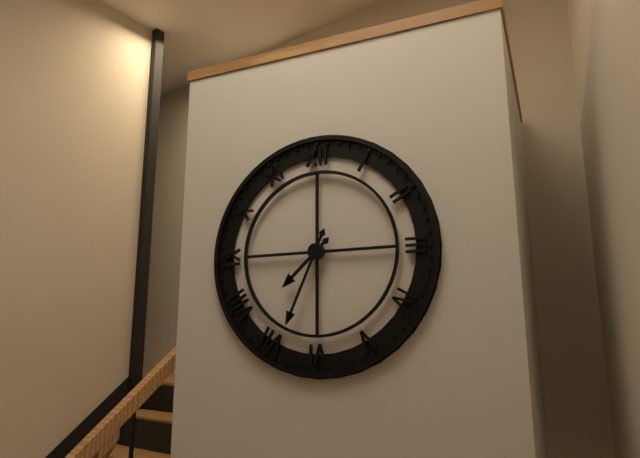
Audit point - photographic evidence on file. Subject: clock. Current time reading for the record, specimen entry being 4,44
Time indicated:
7,34
